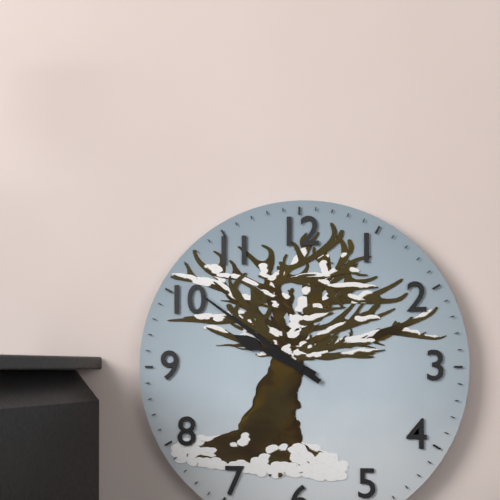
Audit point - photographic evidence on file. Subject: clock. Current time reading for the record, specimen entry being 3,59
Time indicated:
9,51
